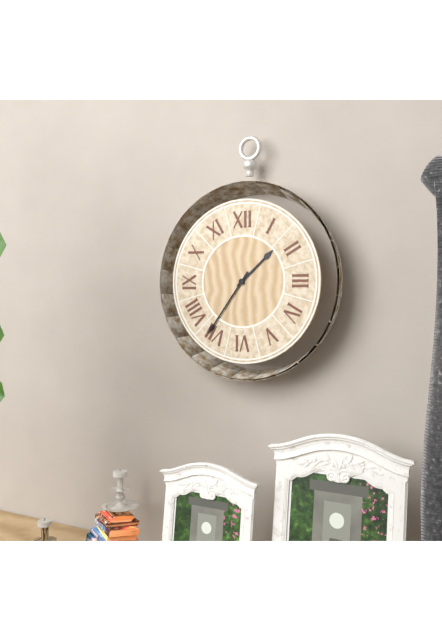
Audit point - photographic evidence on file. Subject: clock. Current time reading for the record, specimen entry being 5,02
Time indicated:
1,36
